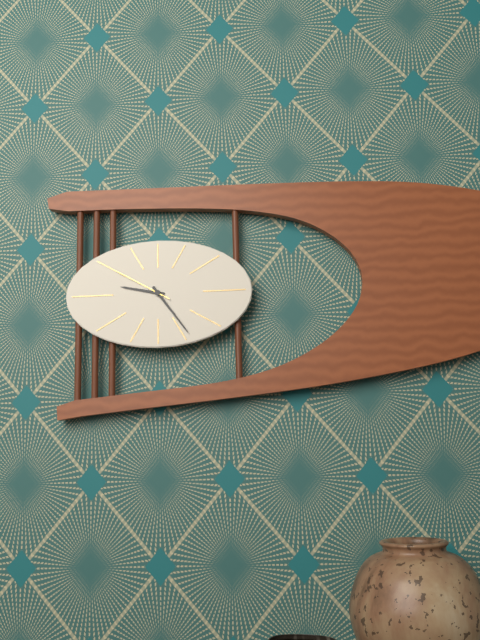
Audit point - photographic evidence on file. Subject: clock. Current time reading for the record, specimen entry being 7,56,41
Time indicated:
9,24,50
